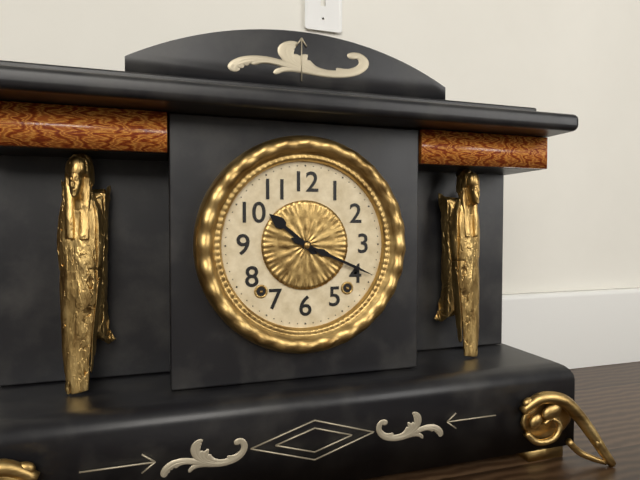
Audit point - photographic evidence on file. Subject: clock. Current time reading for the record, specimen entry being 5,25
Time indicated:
10,19
